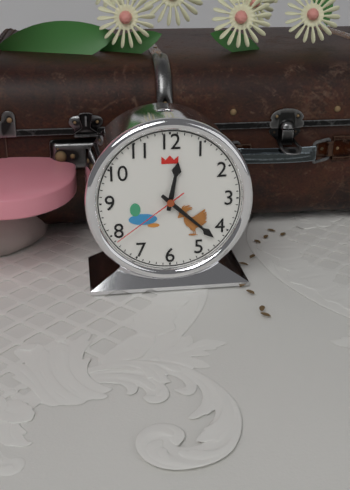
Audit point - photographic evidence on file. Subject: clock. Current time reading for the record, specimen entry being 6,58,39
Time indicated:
12,22,39
